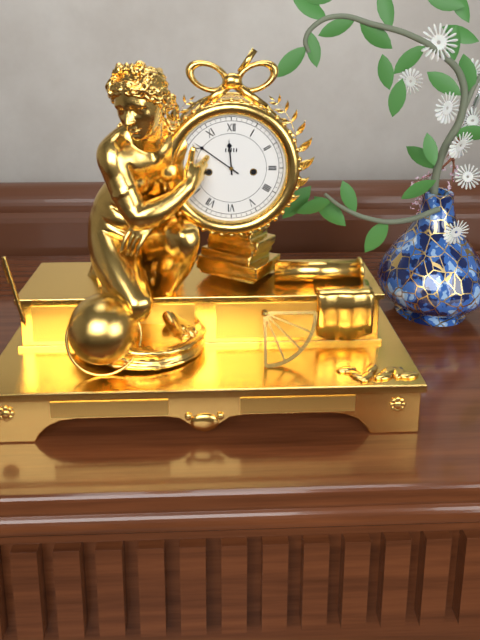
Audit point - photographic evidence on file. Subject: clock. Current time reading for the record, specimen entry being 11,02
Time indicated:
11,51
